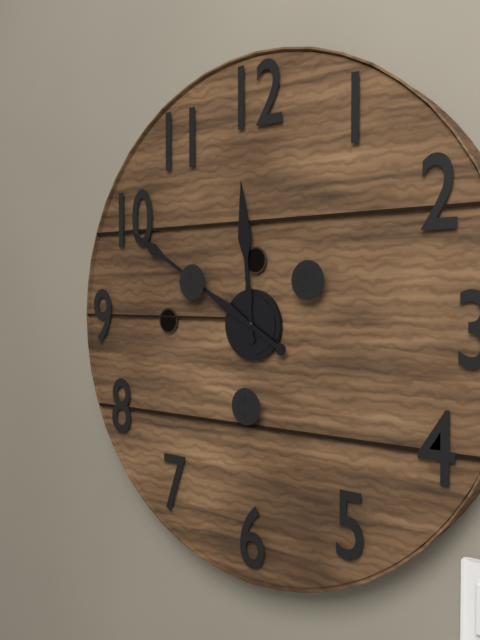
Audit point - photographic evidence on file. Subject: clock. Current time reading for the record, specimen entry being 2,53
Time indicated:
11,50
